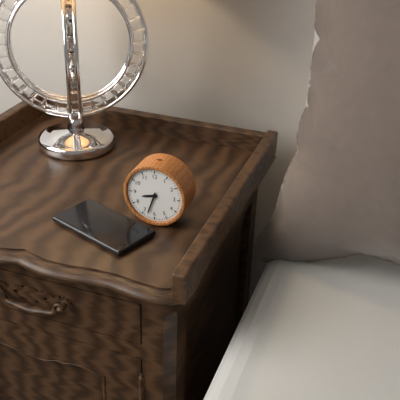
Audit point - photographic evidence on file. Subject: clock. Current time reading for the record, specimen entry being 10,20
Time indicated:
8,33
